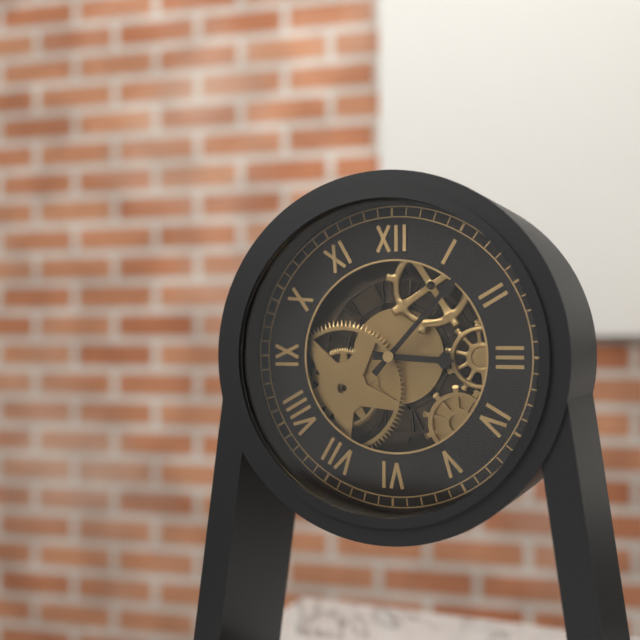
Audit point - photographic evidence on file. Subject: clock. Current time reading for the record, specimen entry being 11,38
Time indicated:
3,07
